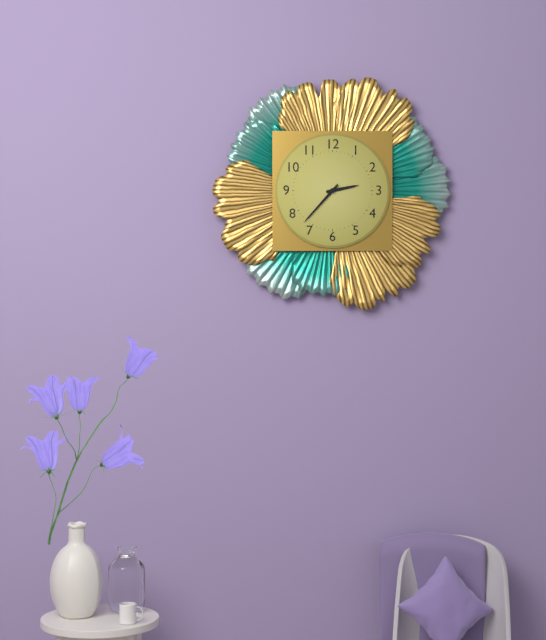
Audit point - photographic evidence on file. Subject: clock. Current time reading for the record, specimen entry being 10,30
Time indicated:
2,37
